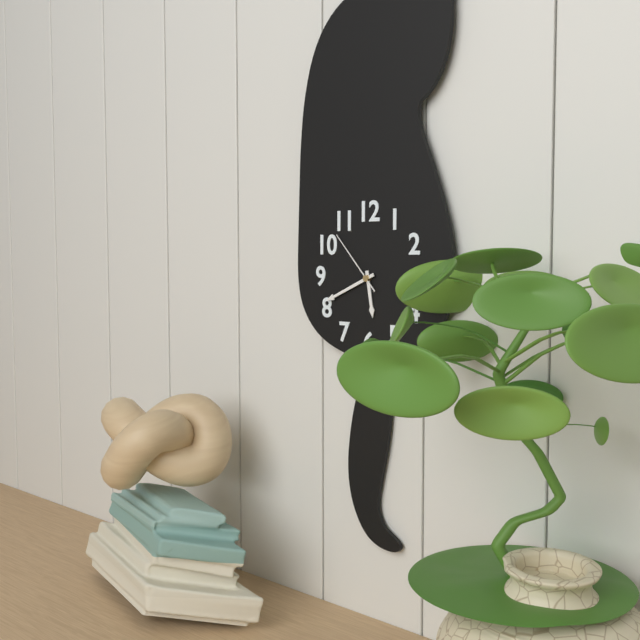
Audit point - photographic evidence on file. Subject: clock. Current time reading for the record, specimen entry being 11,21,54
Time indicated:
5,41,53
